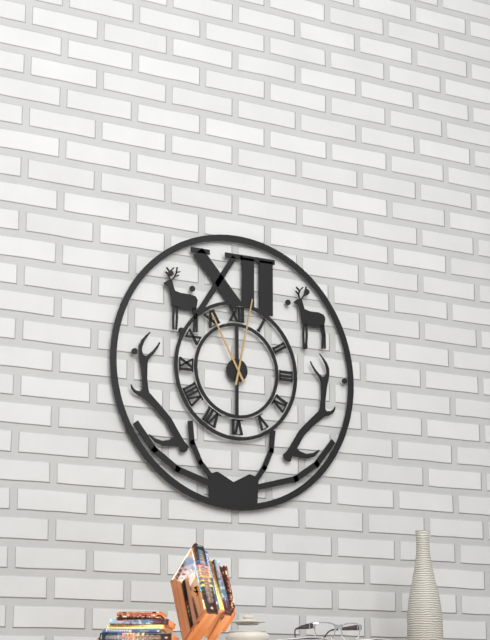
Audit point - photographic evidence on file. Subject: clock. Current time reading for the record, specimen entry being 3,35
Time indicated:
11,02
